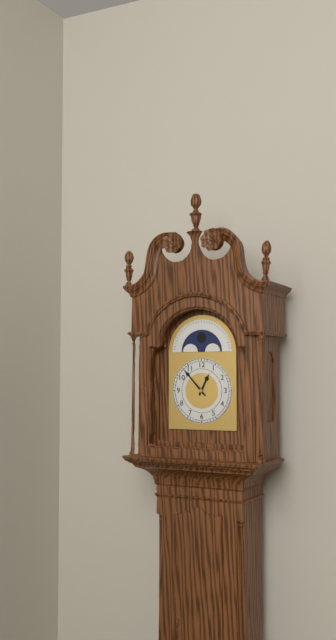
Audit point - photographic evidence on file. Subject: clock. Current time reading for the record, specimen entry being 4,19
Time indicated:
12,53
